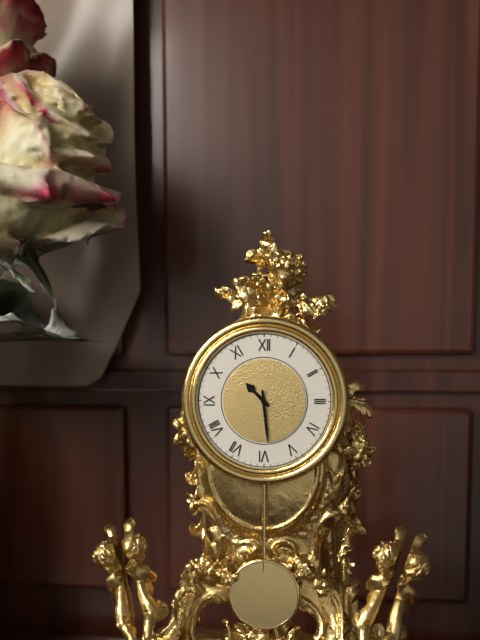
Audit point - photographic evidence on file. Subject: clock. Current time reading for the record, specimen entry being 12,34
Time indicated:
10,29
